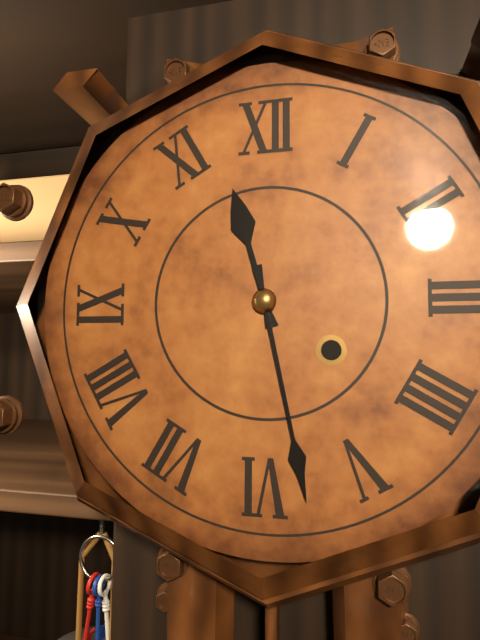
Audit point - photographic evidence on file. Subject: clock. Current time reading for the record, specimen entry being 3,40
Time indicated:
11,28
